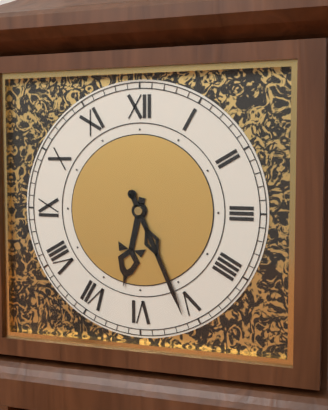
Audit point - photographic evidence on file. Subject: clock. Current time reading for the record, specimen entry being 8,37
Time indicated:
6,26
